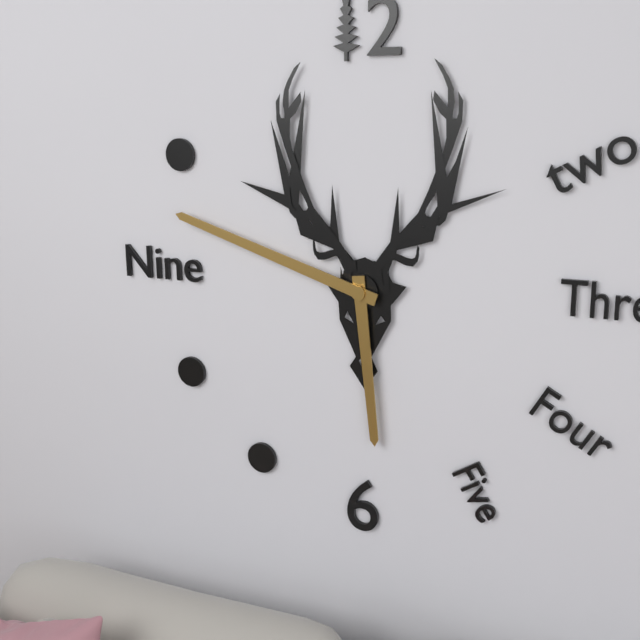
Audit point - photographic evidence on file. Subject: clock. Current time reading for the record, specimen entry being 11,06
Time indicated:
5,48
